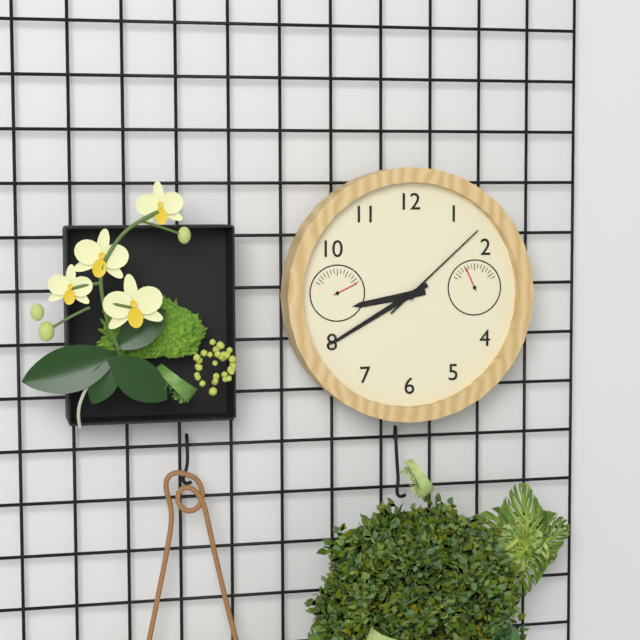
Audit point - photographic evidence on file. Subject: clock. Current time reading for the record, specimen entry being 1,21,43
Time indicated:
8,40,08
